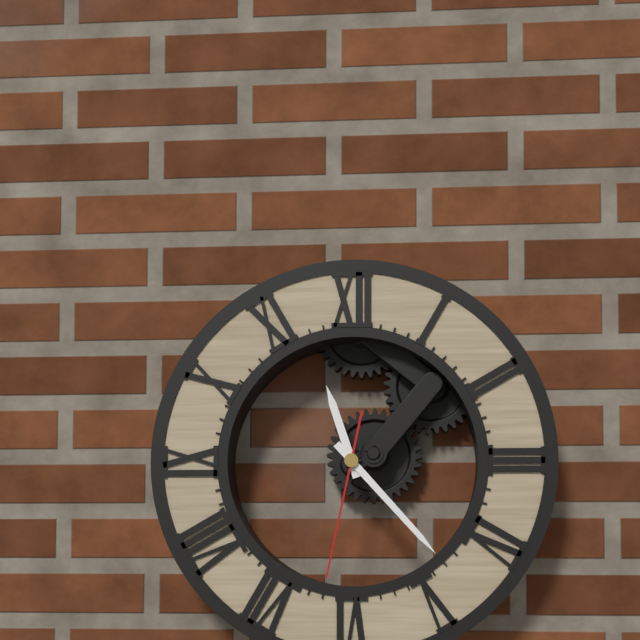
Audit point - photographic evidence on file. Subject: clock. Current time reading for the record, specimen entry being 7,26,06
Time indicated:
11,23,32
